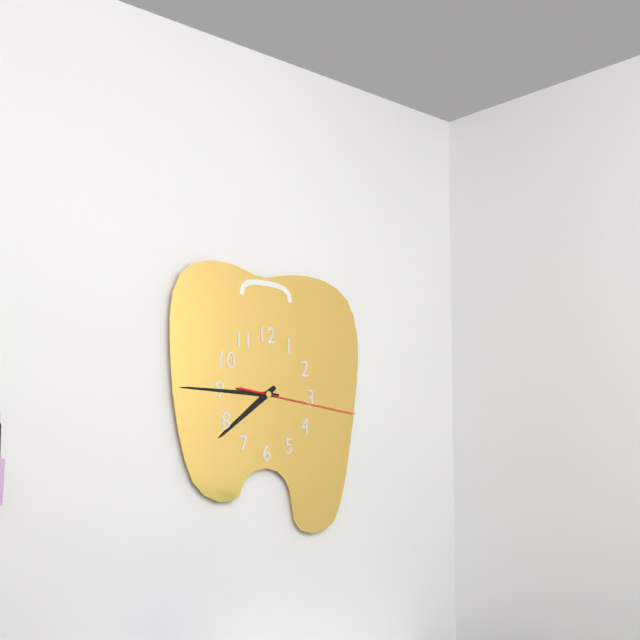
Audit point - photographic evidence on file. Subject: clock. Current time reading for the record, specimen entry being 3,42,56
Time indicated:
7,45,16
